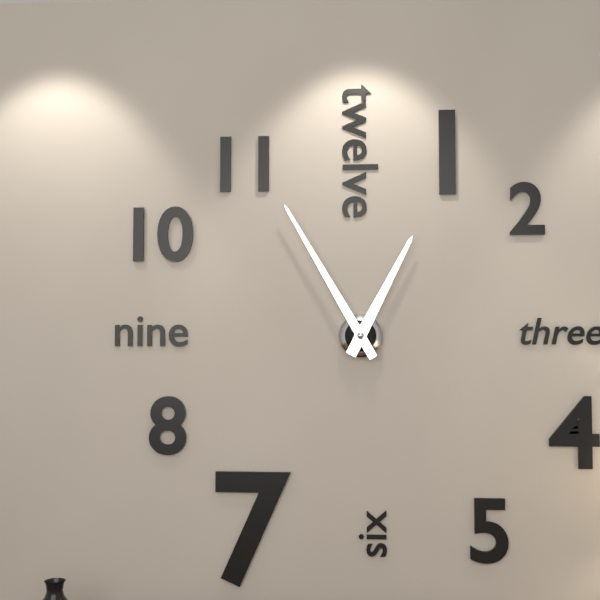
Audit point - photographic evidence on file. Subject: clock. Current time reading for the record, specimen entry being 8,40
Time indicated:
12,55
